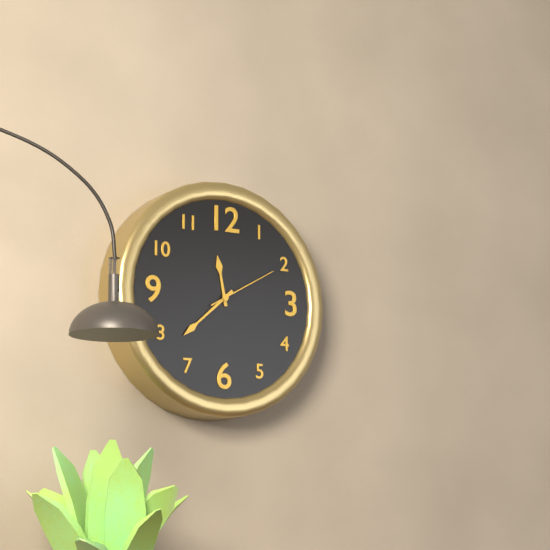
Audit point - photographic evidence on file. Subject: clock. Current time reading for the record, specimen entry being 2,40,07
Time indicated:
11,38,10
